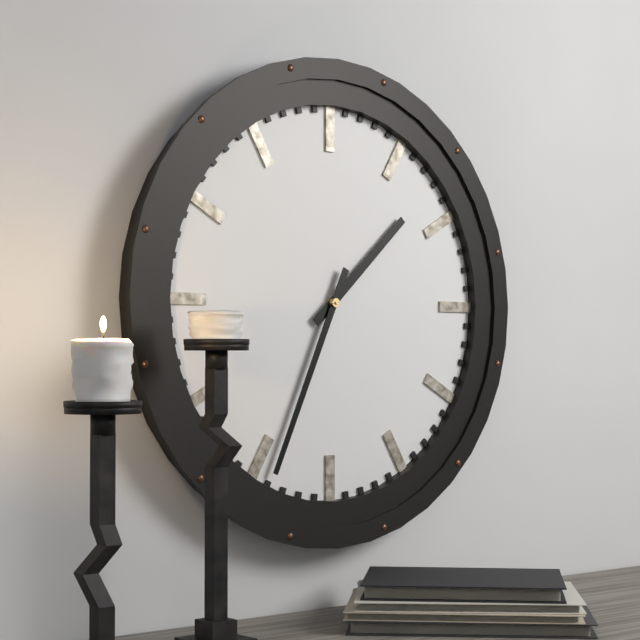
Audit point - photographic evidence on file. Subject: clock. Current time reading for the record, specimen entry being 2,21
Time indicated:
1,34
